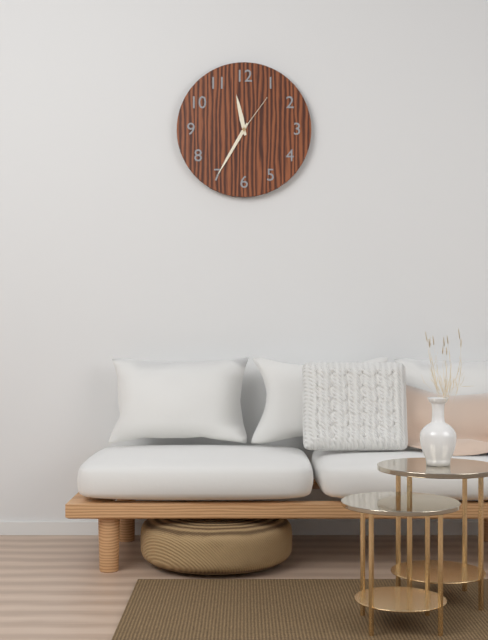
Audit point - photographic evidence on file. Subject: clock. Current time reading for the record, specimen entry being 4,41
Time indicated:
11,35
